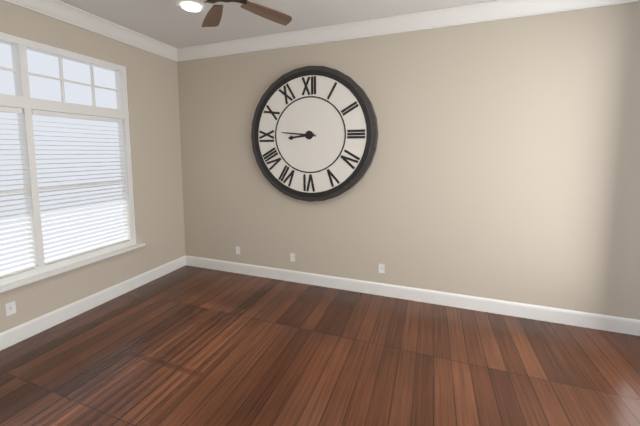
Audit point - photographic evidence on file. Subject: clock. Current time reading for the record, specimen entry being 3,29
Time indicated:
8,46
